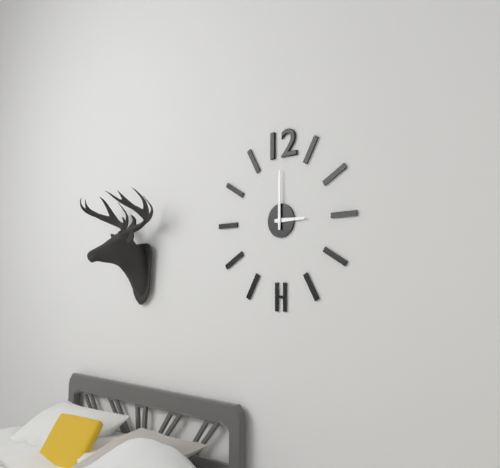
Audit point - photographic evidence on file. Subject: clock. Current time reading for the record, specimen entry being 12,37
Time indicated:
3,00
